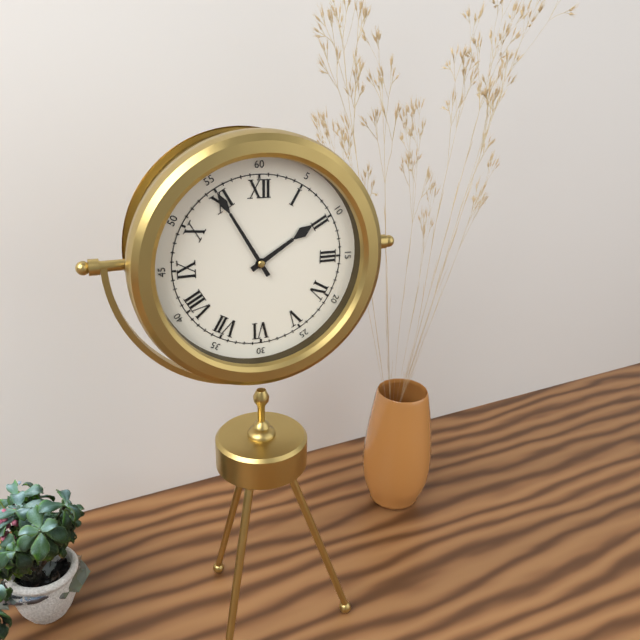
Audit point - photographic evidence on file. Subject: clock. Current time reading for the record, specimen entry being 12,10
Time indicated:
1,55
